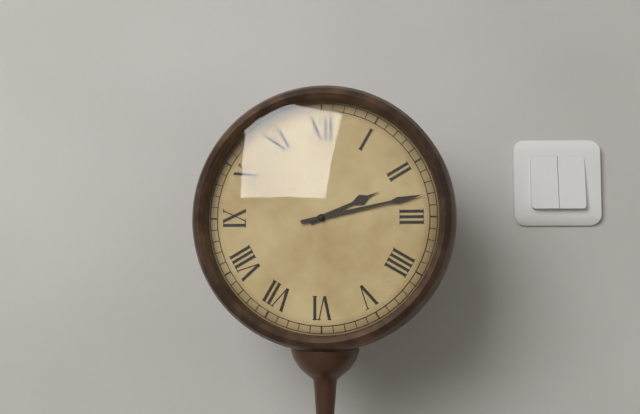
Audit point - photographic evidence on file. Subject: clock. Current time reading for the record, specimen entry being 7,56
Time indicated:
2,13
